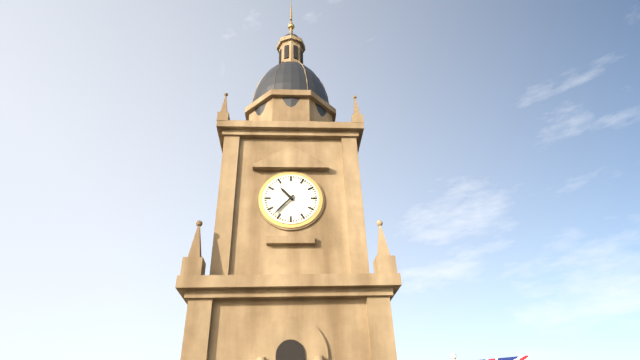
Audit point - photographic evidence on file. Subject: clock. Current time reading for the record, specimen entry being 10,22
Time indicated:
10,37
